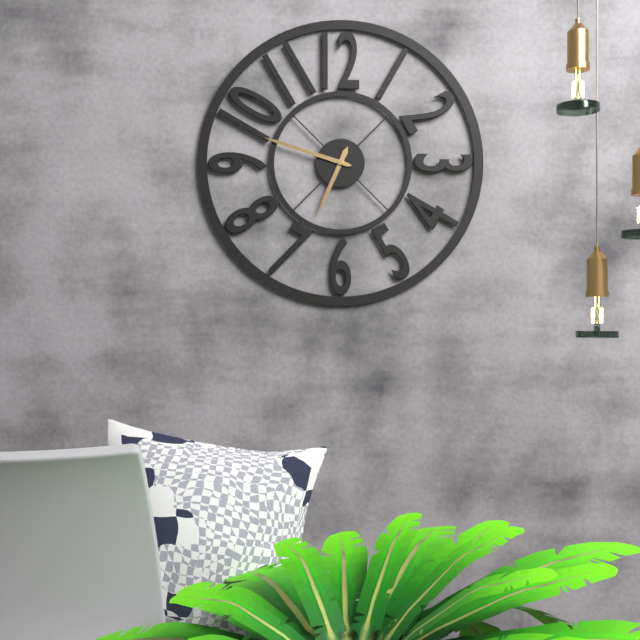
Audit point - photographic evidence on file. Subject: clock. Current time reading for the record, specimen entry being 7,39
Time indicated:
6,48
